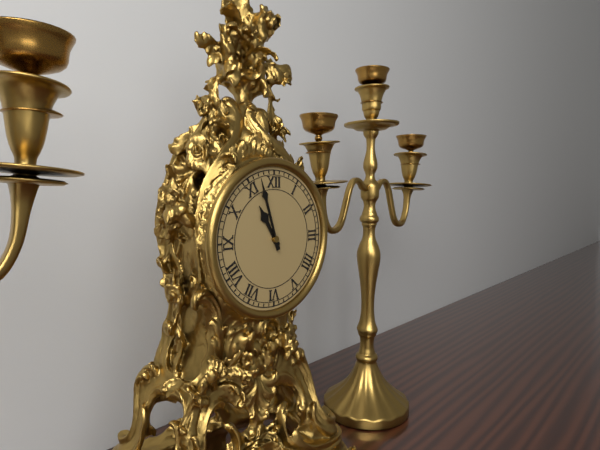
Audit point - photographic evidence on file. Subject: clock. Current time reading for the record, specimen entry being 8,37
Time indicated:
10,57
